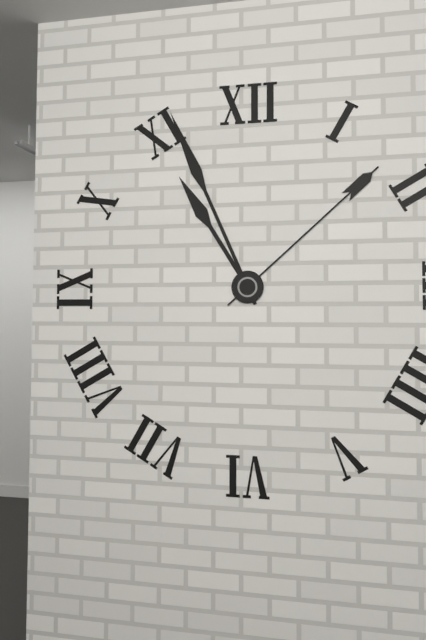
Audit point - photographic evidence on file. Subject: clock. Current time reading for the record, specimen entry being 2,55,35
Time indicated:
10,56,08
